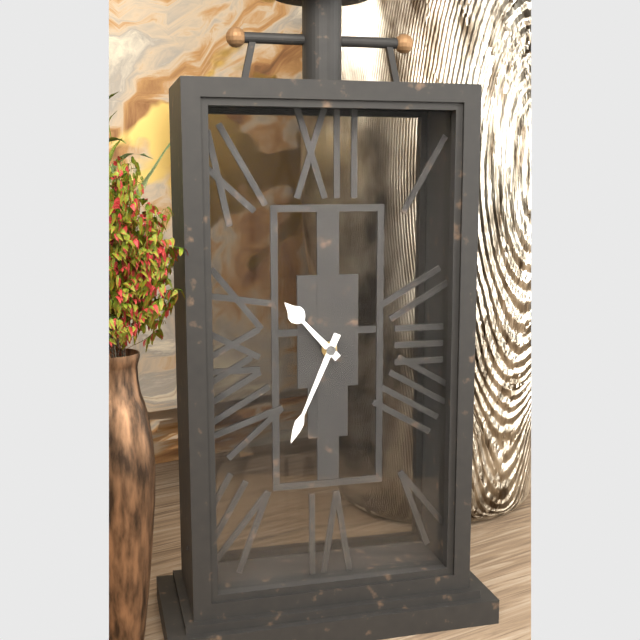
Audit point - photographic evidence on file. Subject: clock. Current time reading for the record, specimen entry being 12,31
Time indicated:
10,34
